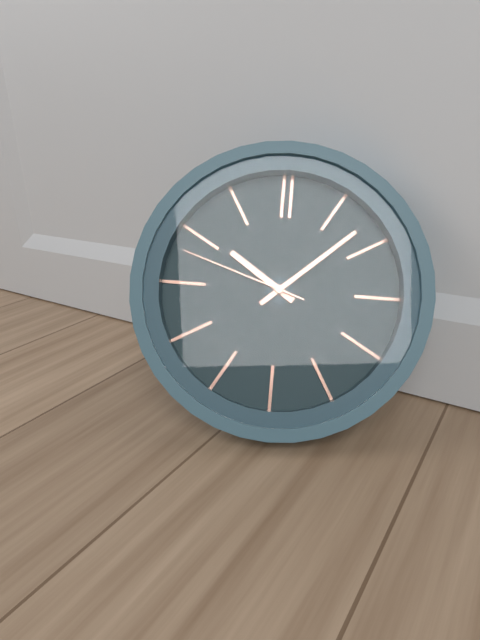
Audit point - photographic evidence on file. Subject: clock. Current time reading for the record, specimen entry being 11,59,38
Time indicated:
10,08,48
